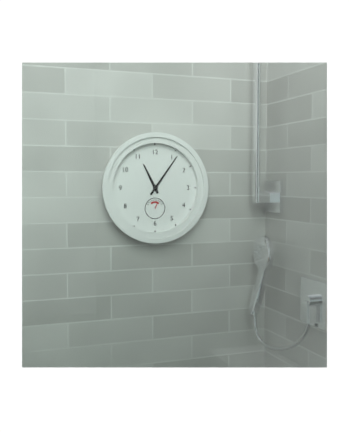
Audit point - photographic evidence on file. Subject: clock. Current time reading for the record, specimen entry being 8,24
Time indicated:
11,06
